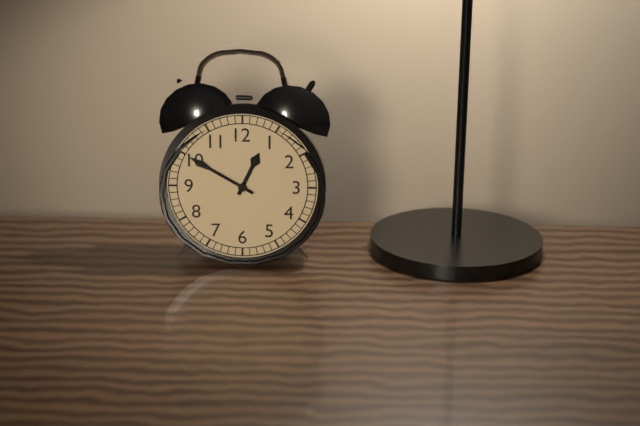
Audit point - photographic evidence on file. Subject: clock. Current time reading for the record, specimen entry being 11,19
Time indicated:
12,50
